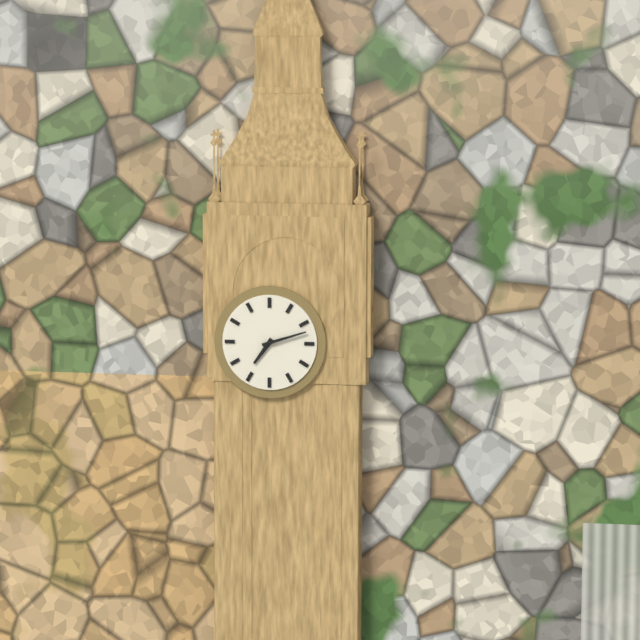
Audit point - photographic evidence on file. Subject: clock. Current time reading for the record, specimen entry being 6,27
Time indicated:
7,12
